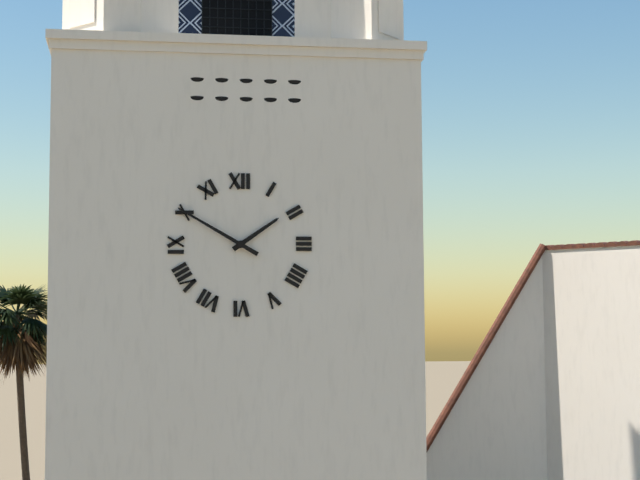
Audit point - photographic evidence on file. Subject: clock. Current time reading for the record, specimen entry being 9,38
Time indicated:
1,50
